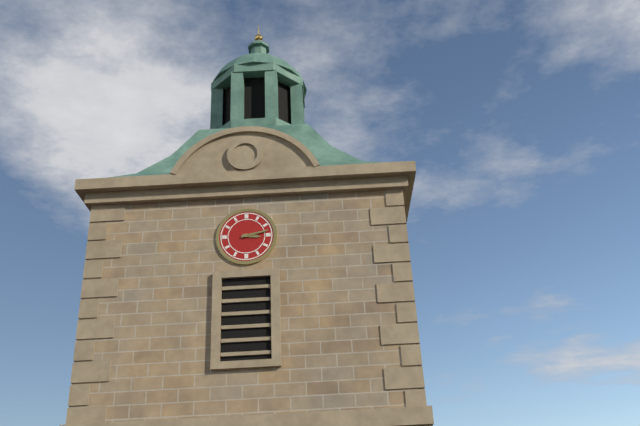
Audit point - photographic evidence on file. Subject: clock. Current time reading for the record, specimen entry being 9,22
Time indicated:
3,13
